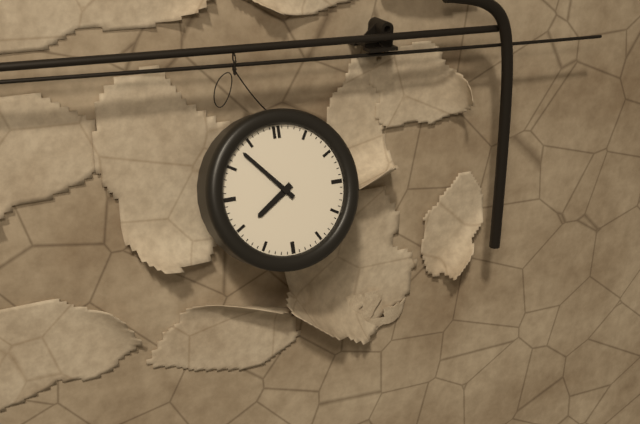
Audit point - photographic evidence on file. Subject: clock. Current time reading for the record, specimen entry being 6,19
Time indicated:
7,53
